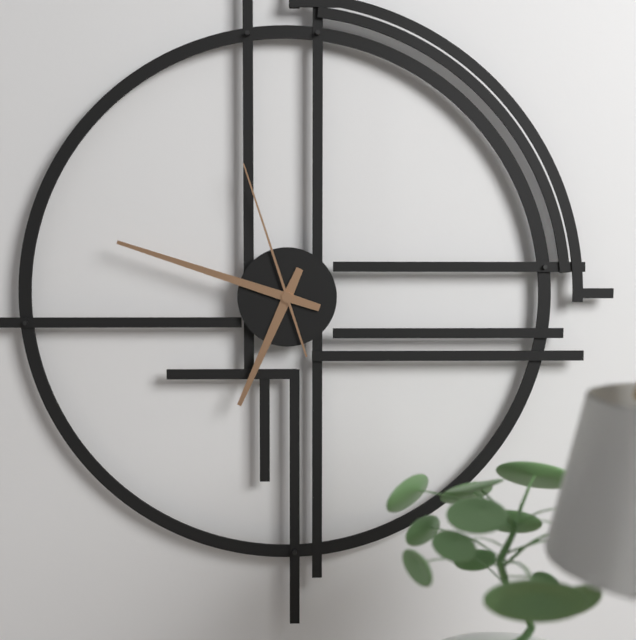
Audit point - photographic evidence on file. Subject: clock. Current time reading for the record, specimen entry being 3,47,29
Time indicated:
6,48,57
